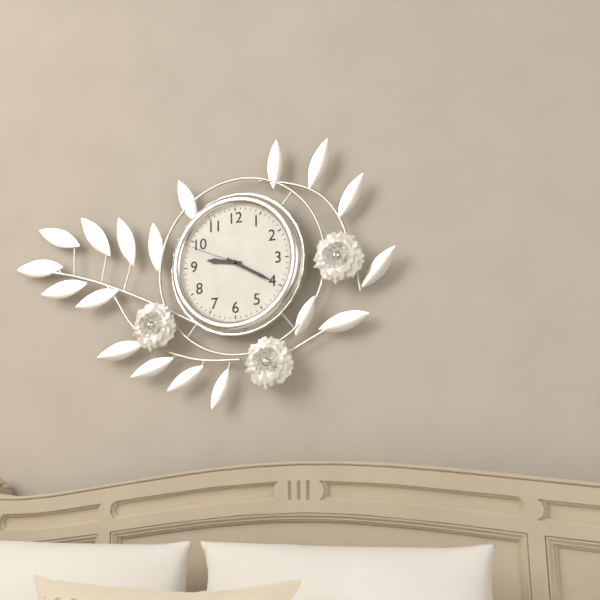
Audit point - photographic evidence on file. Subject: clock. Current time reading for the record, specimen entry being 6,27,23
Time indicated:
9,20,49
